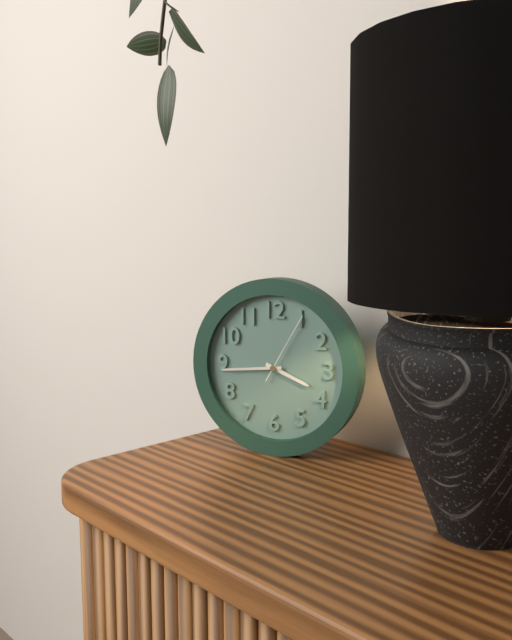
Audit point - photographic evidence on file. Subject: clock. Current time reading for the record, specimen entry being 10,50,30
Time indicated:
3,44,05
